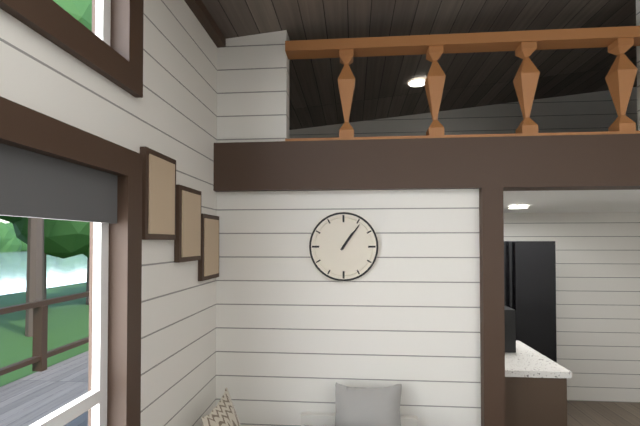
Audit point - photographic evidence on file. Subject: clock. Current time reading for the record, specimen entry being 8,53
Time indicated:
1,06
